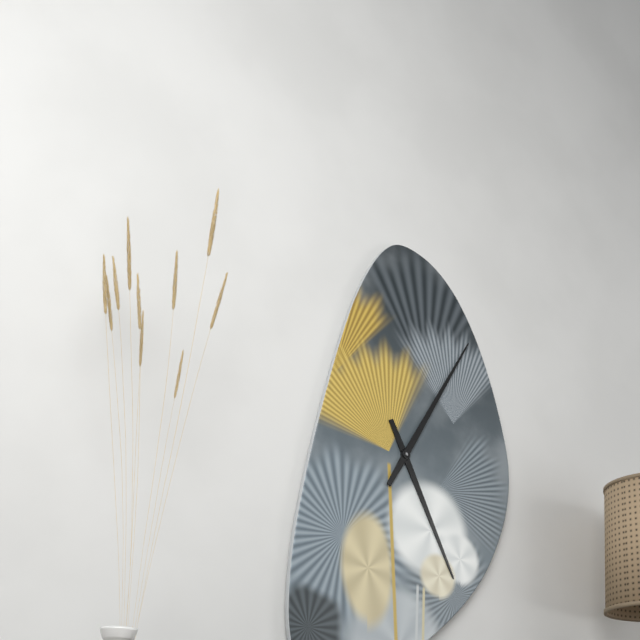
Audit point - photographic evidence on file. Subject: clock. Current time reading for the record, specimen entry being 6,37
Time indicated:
5,05
